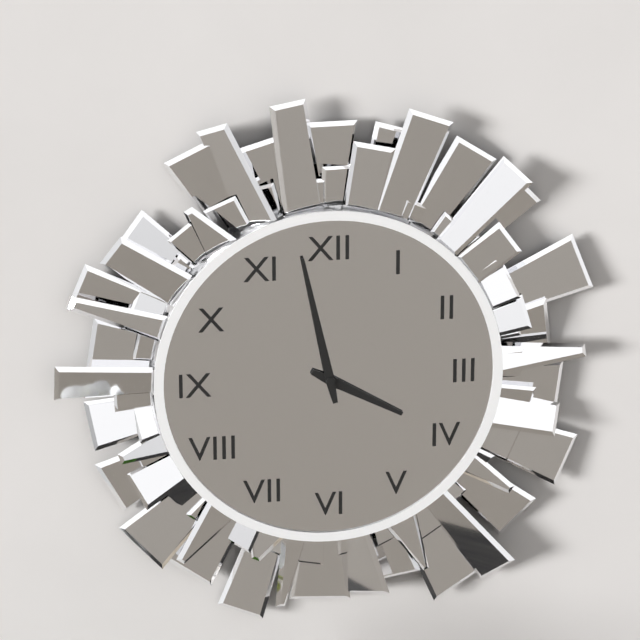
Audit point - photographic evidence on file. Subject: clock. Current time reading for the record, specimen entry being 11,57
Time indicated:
3,58
